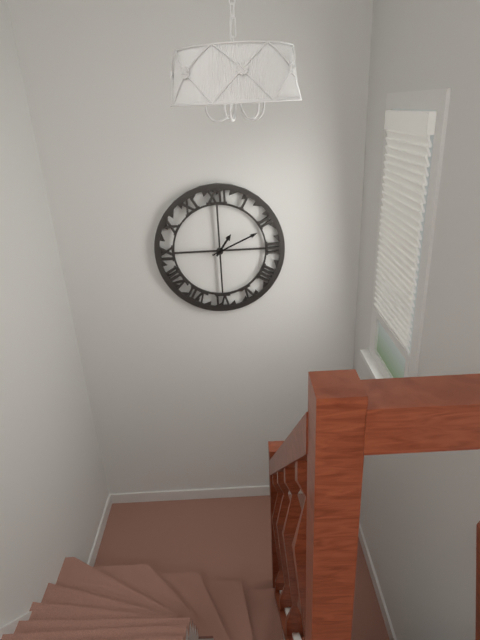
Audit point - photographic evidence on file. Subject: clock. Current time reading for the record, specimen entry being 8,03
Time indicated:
1,11
